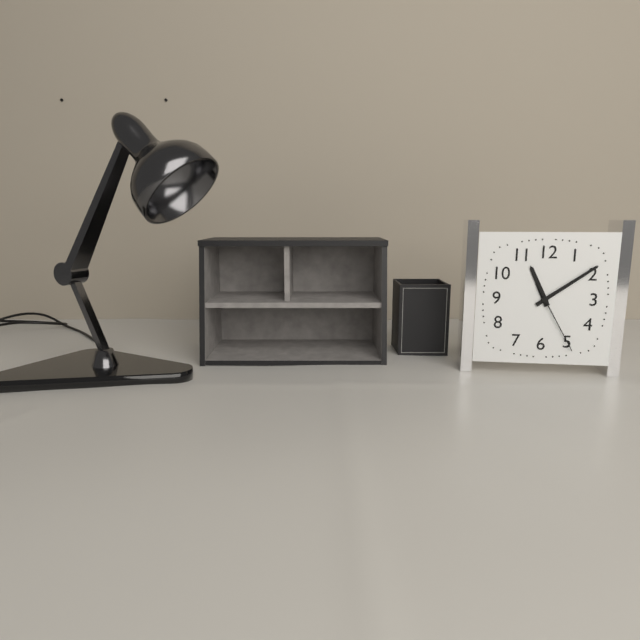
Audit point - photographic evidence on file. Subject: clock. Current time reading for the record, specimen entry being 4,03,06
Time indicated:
11,09,25
